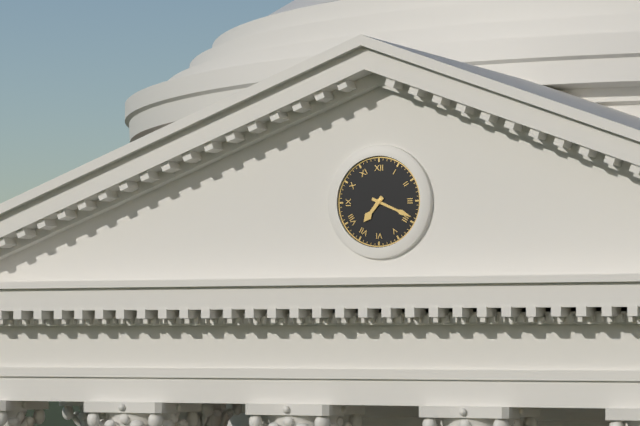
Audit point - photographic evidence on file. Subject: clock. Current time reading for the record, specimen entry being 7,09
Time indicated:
7,19
